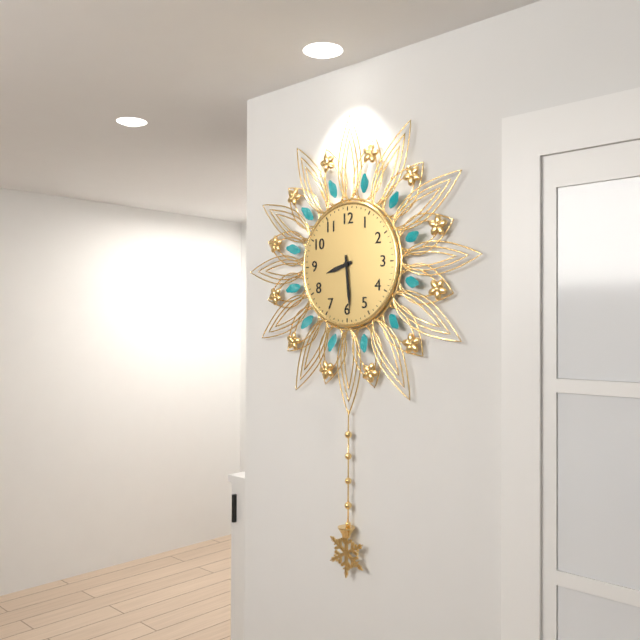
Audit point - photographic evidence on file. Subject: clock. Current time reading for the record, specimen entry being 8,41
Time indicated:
8,29
